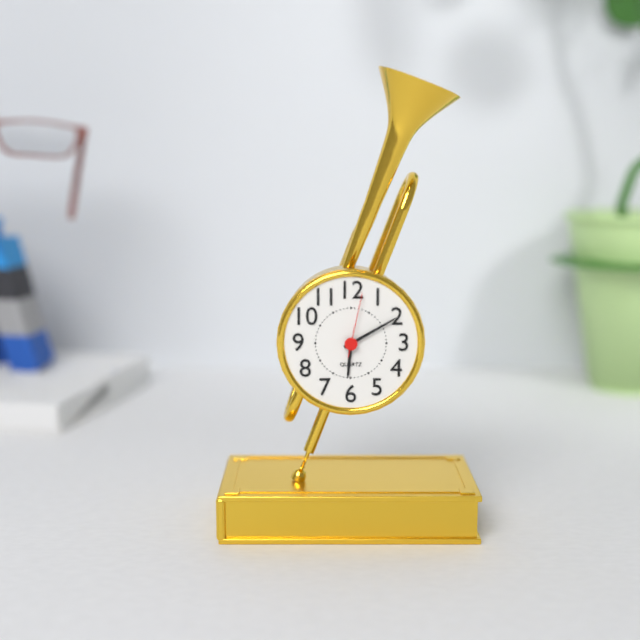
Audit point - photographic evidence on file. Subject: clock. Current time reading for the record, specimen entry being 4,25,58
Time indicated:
6,10,02
